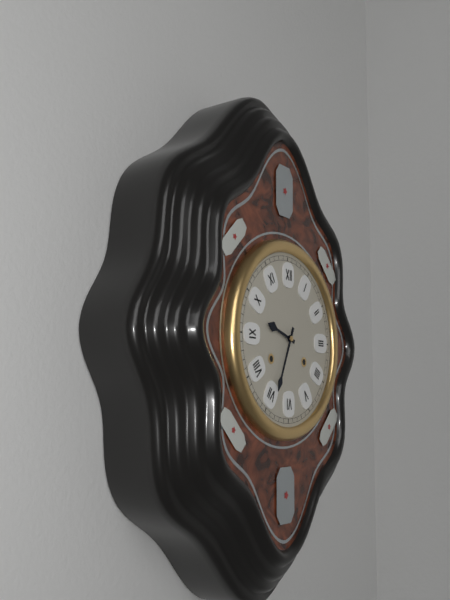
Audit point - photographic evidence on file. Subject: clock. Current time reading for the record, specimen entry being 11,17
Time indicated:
9,34
